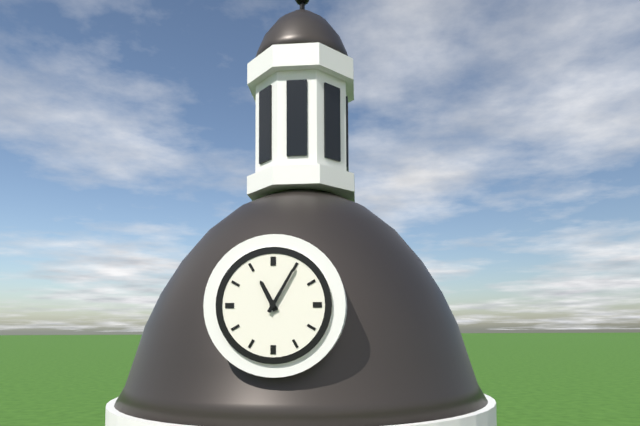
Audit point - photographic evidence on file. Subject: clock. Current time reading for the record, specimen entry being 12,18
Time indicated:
11,05
